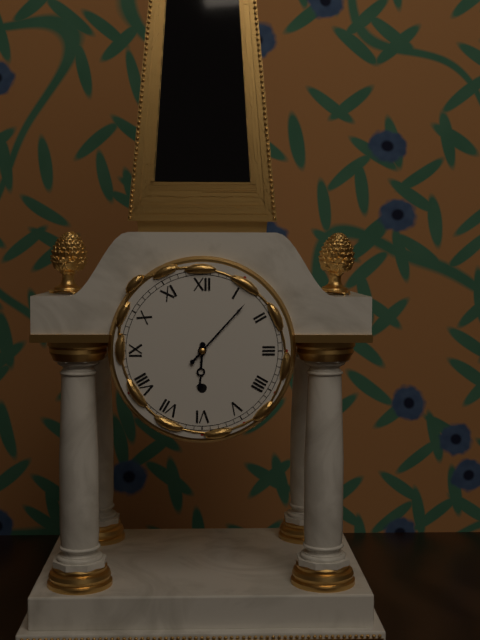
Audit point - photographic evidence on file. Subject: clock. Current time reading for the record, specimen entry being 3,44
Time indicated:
6,07
